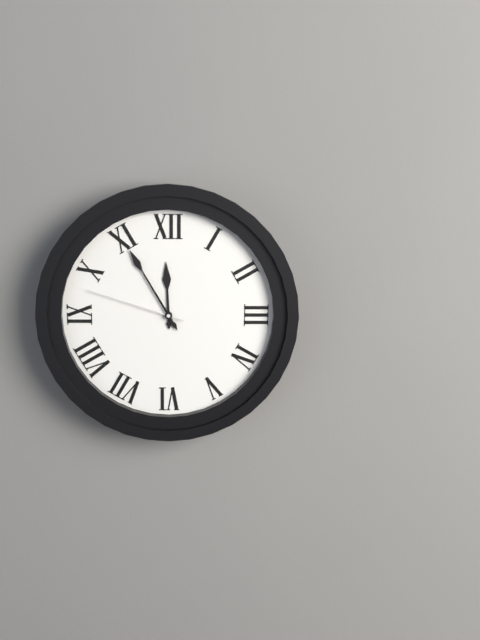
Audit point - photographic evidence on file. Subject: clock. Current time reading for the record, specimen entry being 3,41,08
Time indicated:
11,55,48
